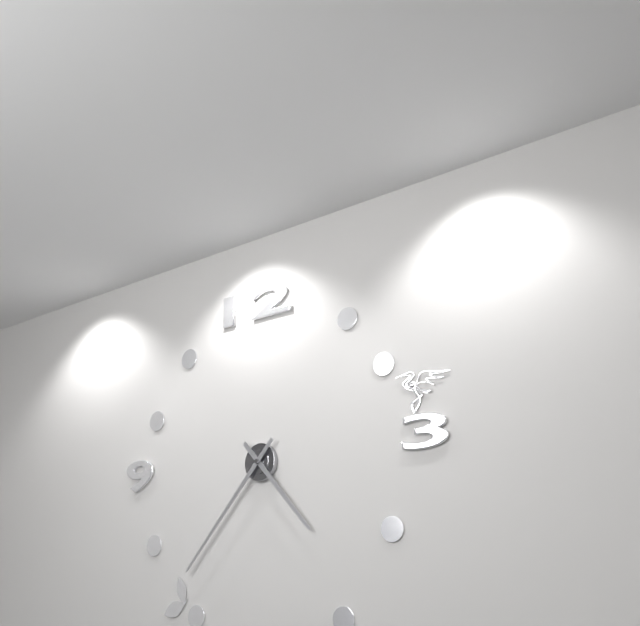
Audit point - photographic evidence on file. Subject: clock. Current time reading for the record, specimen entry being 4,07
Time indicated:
4,37
